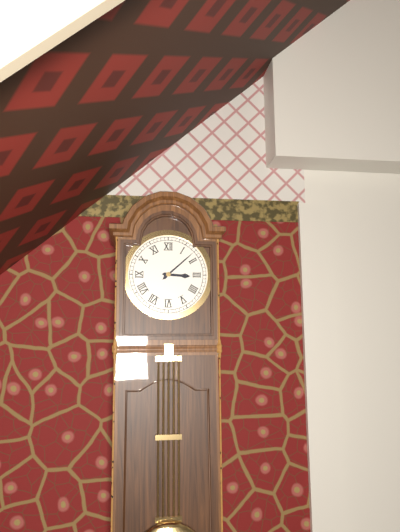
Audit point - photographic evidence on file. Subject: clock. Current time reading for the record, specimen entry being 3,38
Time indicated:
3,08
